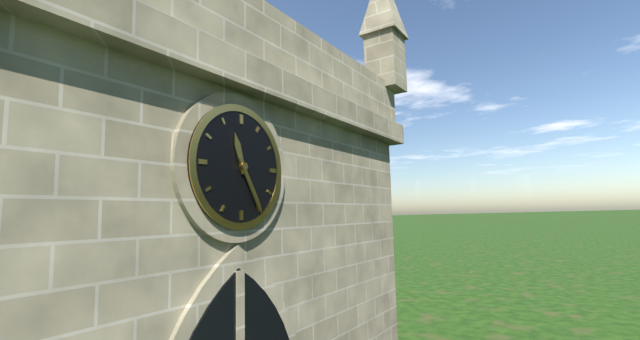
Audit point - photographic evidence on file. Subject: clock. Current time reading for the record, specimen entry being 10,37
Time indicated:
11,25
